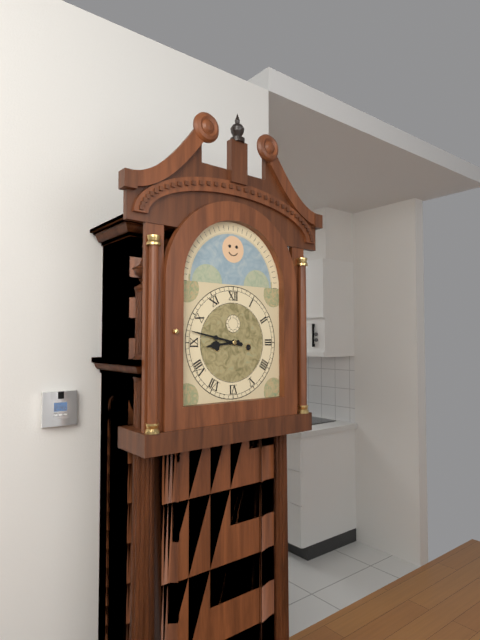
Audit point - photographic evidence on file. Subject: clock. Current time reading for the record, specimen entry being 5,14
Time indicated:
8,47
